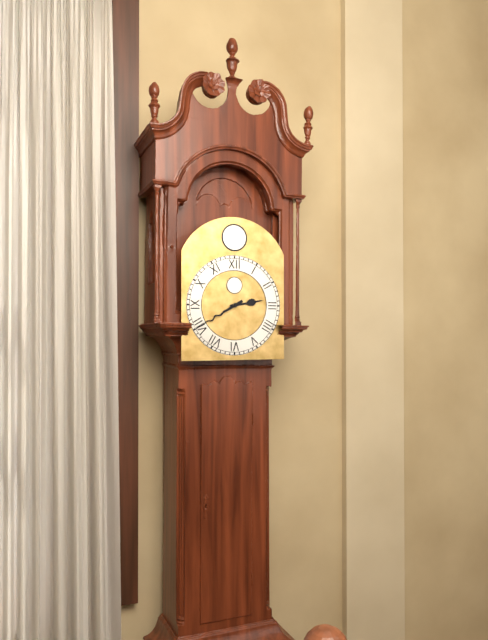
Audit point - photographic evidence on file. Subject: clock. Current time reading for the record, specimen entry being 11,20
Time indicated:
2,40
